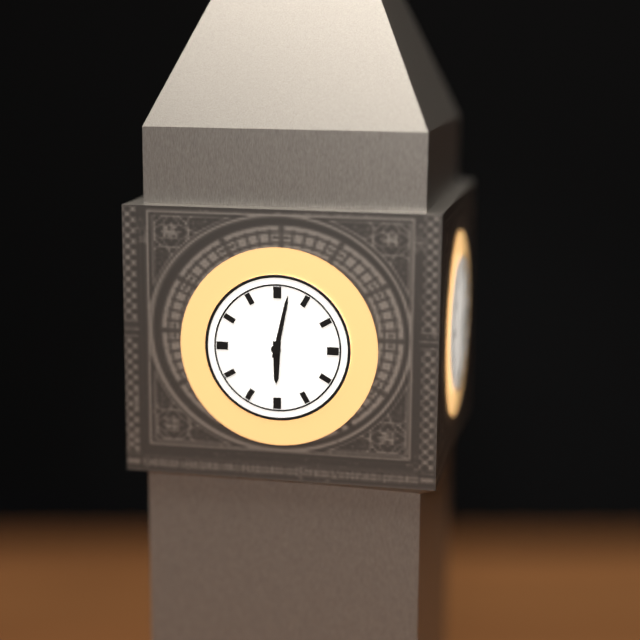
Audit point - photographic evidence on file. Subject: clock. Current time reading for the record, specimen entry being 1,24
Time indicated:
6,02
